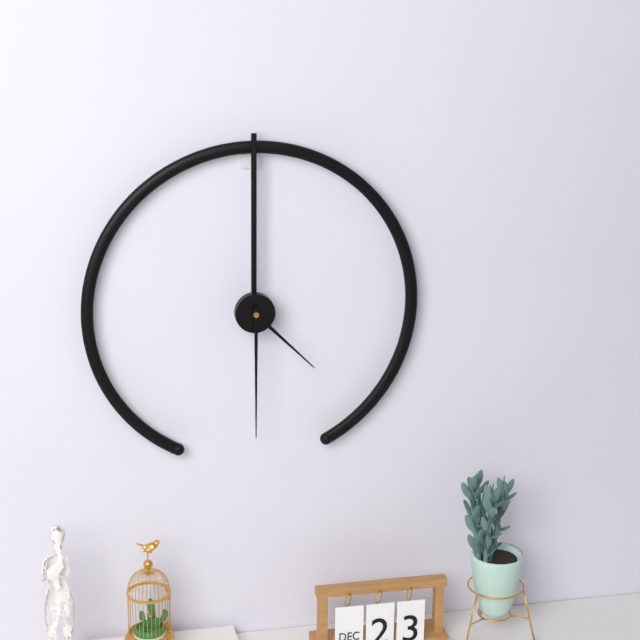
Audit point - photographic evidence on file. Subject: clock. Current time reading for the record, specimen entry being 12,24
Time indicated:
4,30
